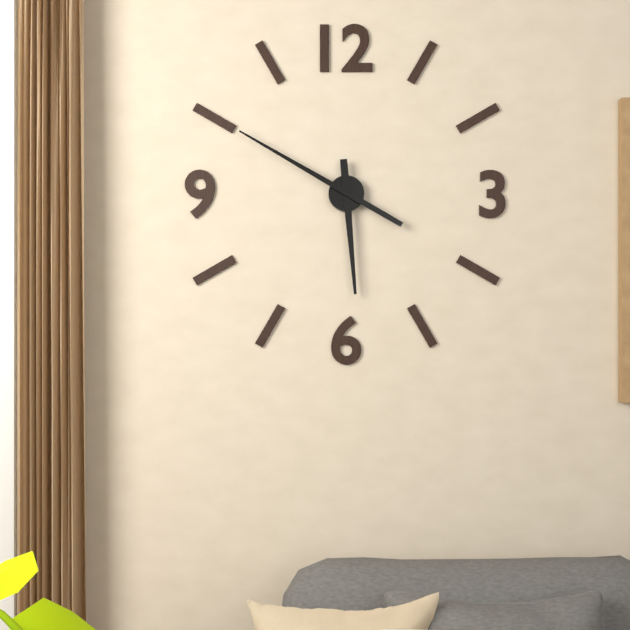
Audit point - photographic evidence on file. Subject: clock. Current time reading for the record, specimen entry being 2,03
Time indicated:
5,50
